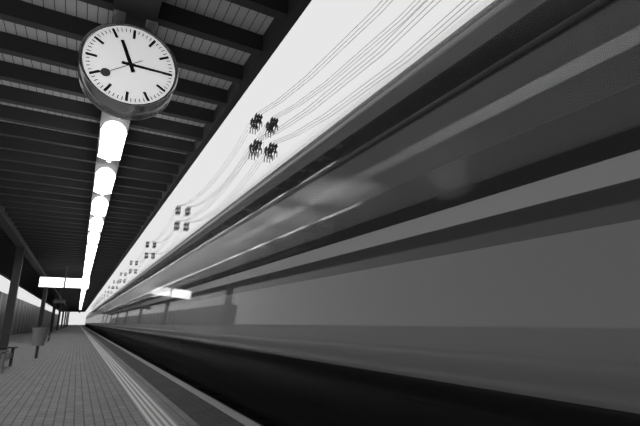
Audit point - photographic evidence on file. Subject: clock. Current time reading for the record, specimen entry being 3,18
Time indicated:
11,15
